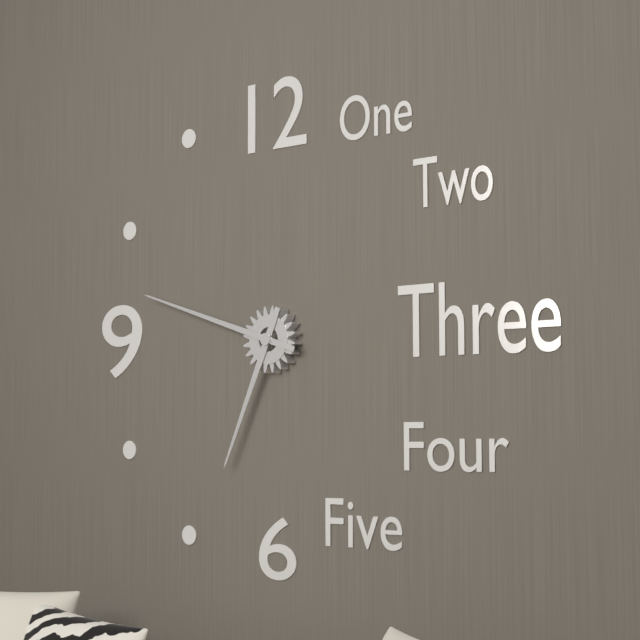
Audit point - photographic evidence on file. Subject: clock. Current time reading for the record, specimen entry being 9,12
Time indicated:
6,48
